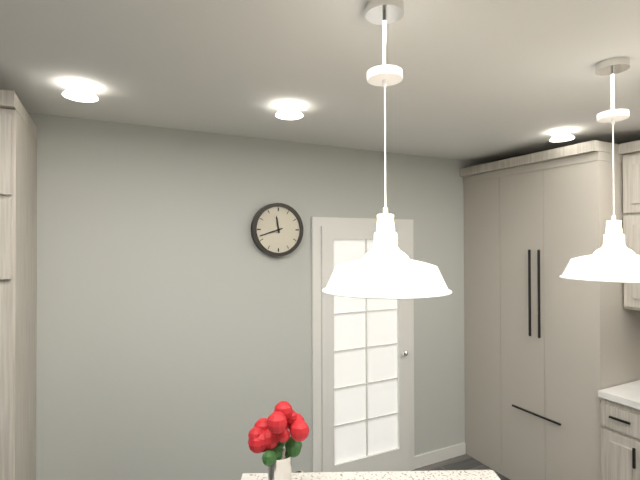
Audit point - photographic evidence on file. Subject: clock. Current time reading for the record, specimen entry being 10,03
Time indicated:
11,42
